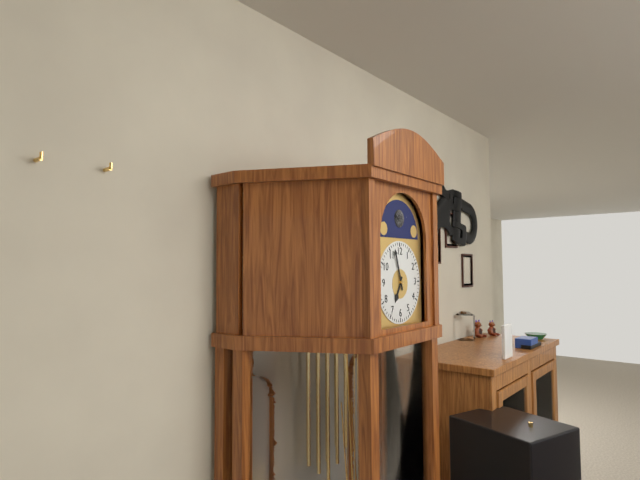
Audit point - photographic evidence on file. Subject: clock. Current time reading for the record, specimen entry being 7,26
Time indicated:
6,57
